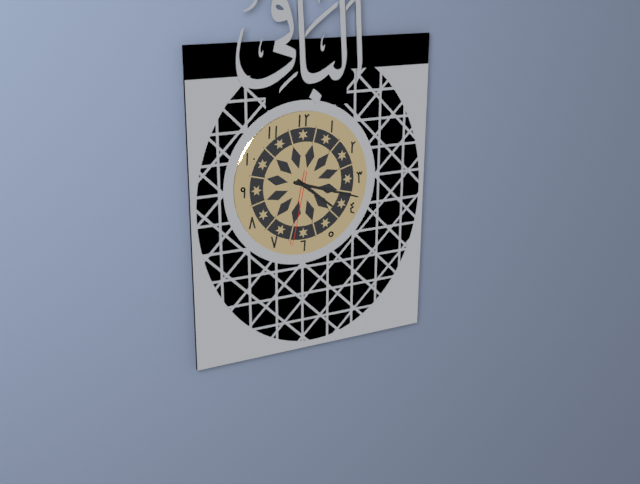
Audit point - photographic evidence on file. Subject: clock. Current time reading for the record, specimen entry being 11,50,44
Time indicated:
4,18,32
